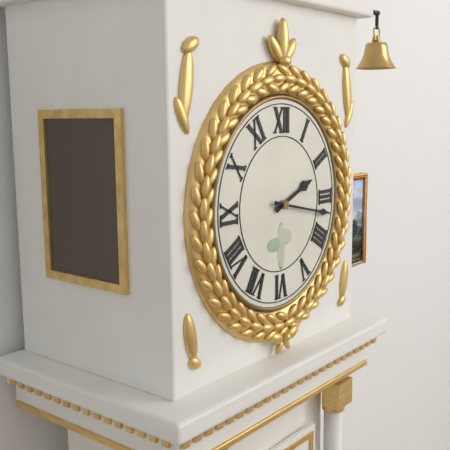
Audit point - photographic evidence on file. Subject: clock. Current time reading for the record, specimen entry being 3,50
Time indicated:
2,17
